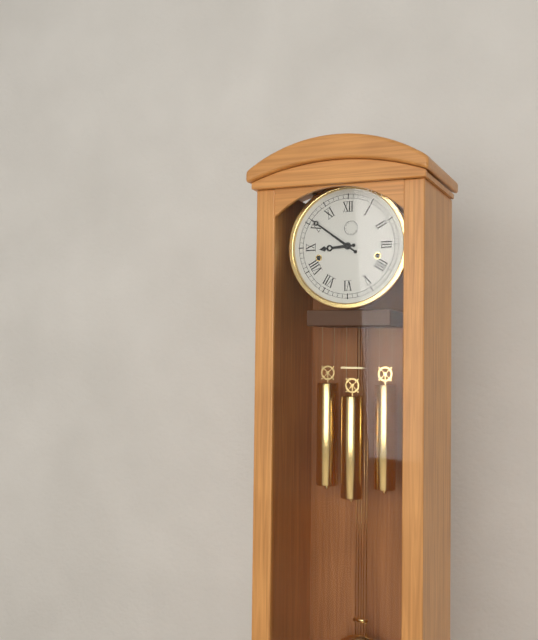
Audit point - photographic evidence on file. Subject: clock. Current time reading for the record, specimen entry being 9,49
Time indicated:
8,51
